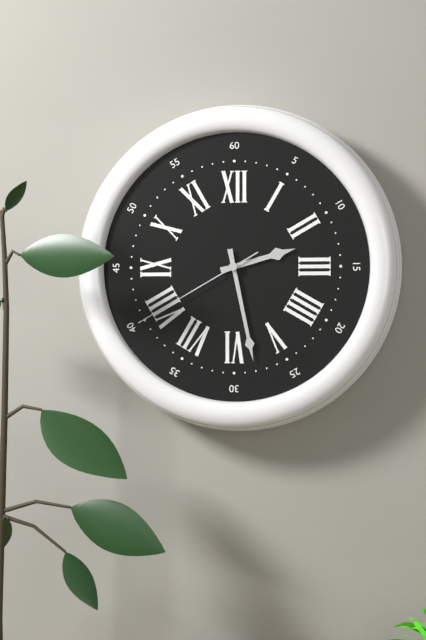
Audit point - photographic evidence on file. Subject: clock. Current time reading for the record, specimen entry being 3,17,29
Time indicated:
2,28,40
